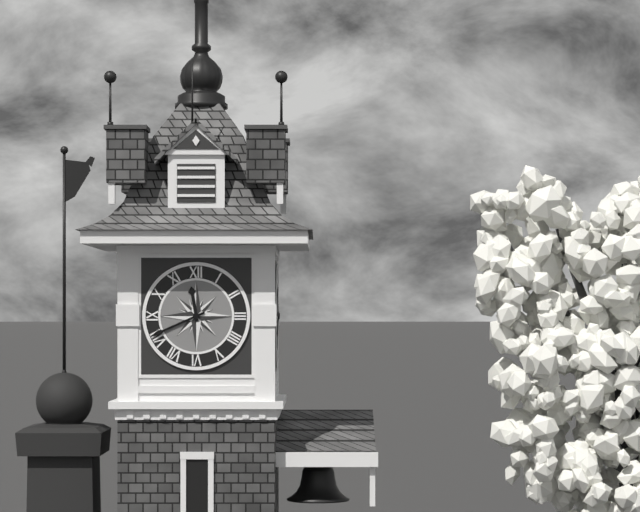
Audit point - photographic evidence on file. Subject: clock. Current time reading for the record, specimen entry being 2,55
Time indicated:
11,41
